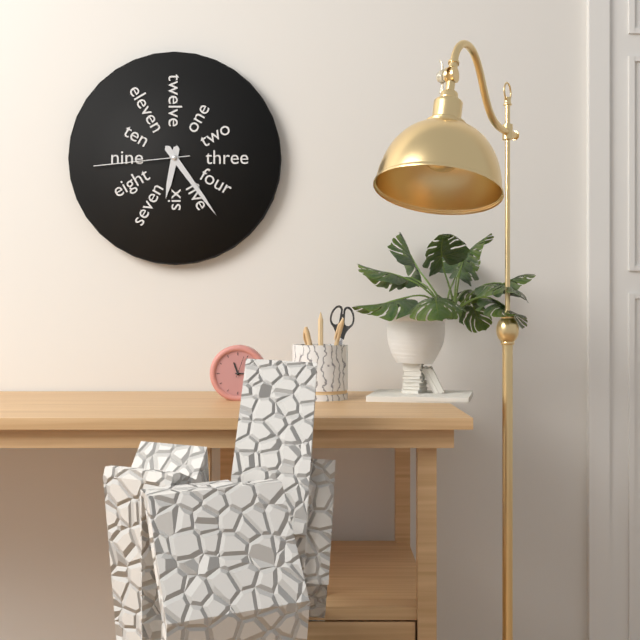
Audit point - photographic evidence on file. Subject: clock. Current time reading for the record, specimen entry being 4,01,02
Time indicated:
6,24,44
